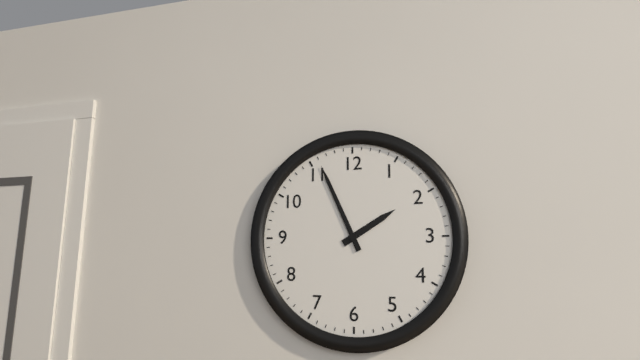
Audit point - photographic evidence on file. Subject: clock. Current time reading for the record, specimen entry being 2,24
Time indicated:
1,56
